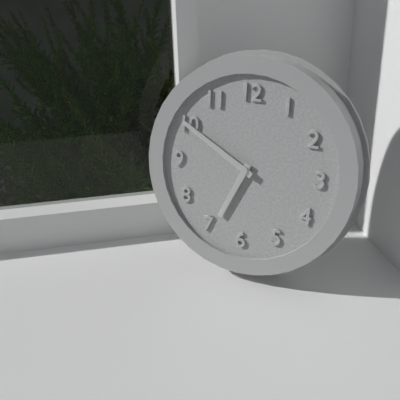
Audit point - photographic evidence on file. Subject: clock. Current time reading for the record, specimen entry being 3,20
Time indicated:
6,50
